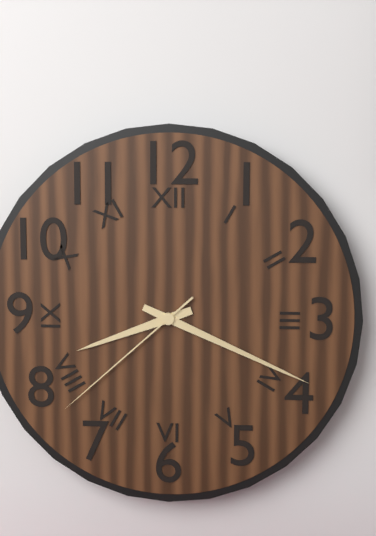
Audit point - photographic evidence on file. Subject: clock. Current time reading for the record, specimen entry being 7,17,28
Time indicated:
8,19,38
